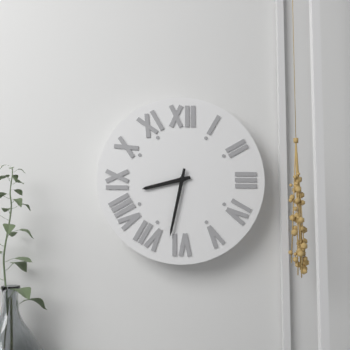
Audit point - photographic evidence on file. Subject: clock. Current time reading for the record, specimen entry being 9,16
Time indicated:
8,32
